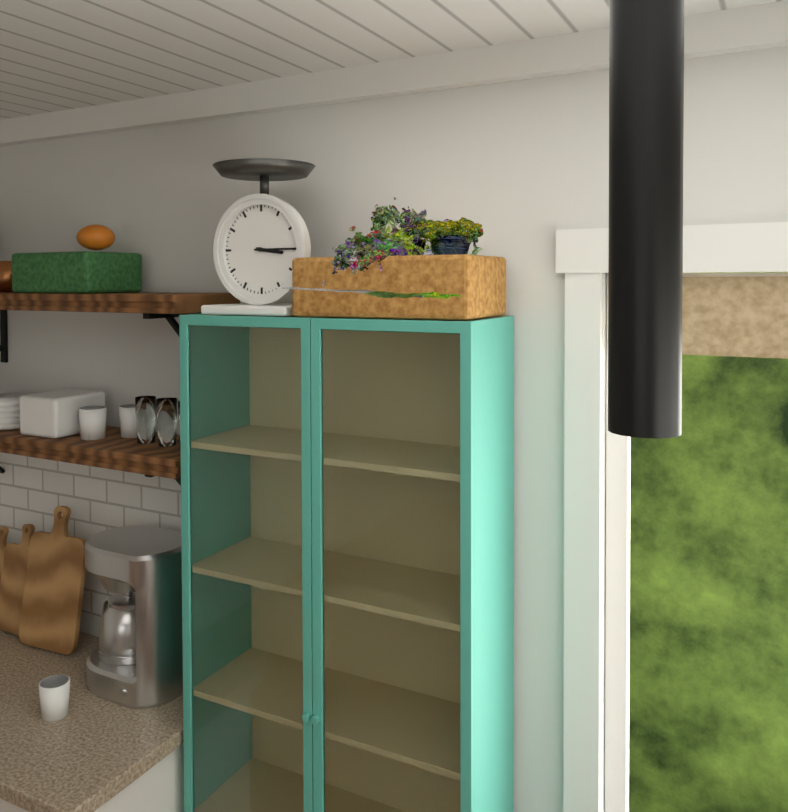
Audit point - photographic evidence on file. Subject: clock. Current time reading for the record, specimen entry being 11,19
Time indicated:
3,15
